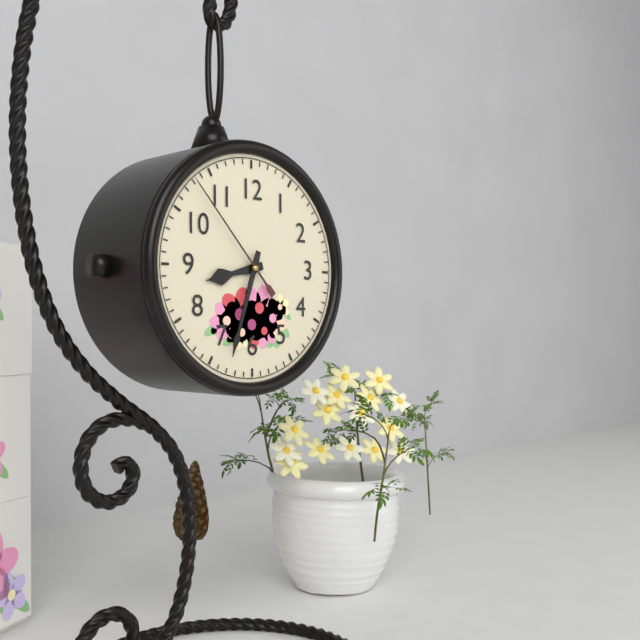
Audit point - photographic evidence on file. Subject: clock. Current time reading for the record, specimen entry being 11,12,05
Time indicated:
8,33,53
